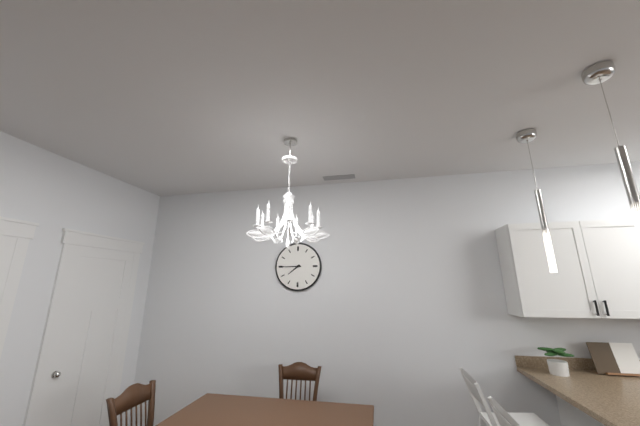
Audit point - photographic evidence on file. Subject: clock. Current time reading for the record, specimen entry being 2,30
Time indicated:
7,45
